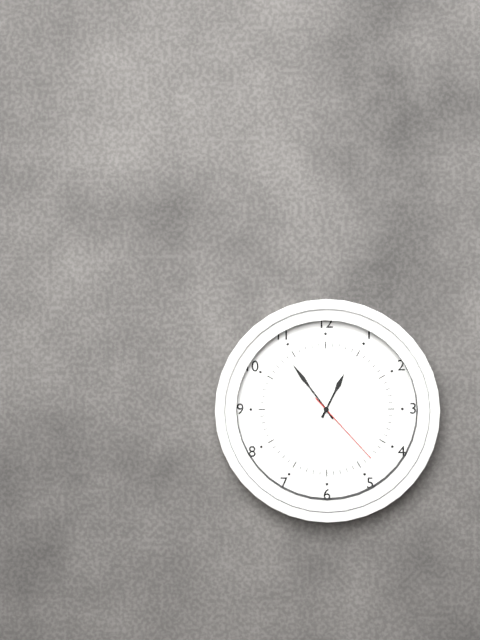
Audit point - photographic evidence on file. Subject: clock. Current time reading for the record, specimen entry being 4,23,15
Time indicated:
12,54,23
